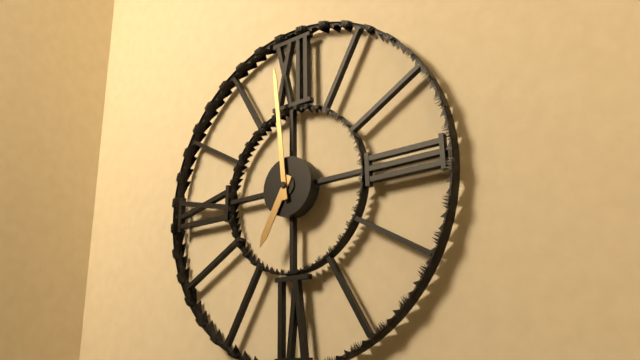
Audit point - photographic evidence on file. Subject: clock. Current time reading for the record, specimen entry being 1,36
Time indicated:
6,59
